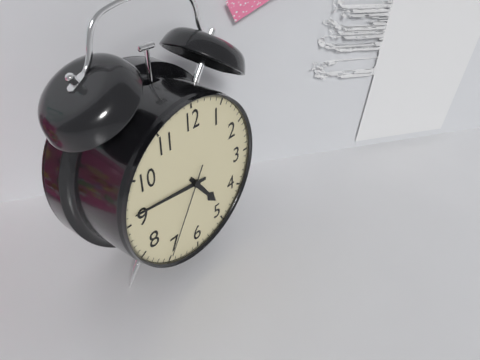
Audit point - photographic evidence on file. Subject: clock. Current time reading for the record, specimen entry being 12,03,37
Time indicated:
4,46,35
